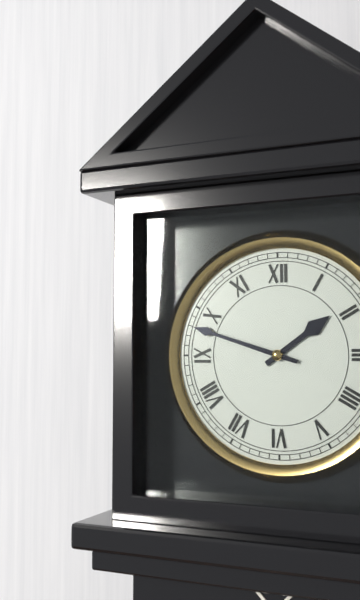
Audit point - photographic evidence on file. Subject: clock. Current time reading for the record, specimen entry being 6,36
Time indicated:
1,48
